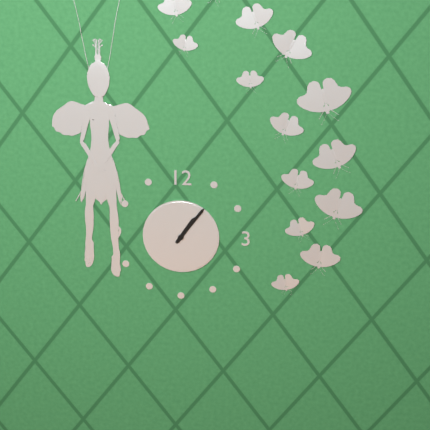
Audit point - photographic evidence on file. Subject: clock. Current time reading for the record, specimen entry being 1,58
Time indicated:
1,06
